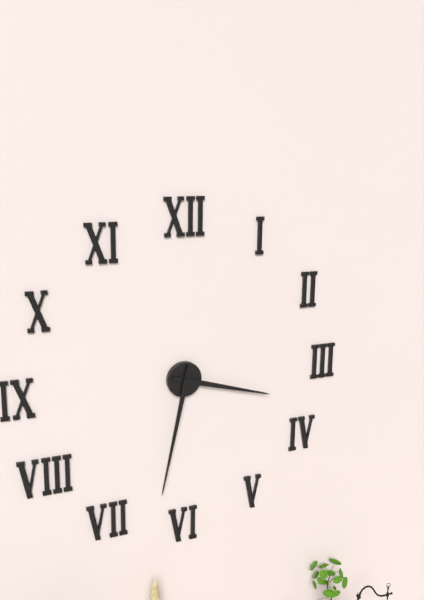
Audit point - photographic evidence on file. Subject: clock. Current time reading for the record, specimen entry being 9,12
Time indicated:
3,32
